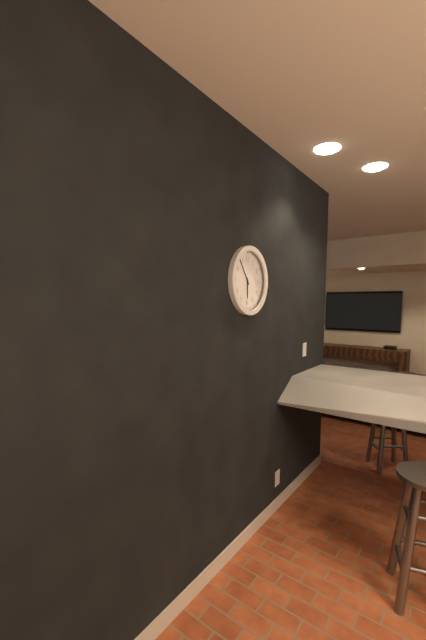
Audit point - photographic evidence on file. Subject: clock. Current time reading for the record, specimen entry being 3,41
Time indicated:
5,54
